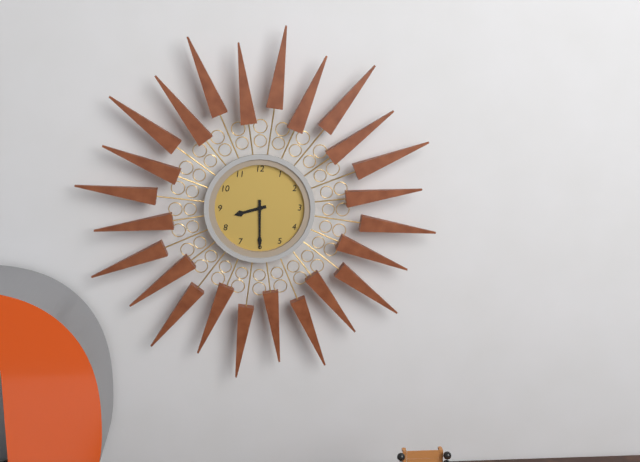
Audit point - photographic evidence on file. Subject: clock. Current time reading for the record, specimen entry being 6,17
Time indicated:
8,30
